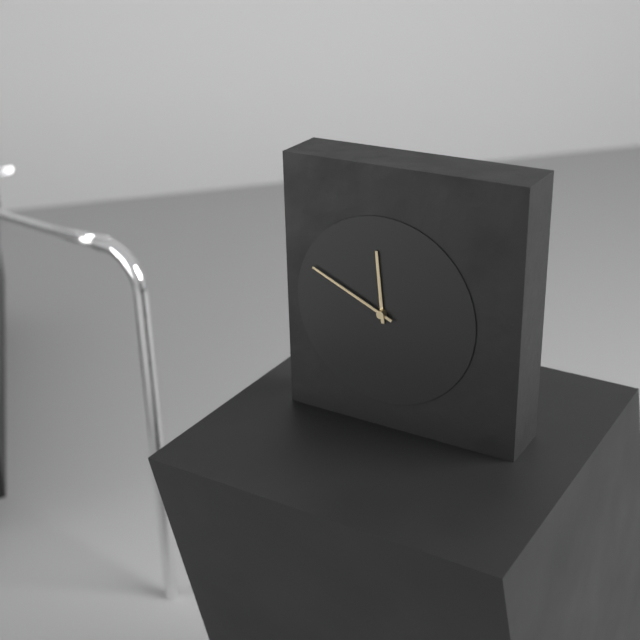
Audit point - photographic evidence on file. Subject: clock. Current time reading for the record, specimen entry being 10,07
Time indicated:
11,49
